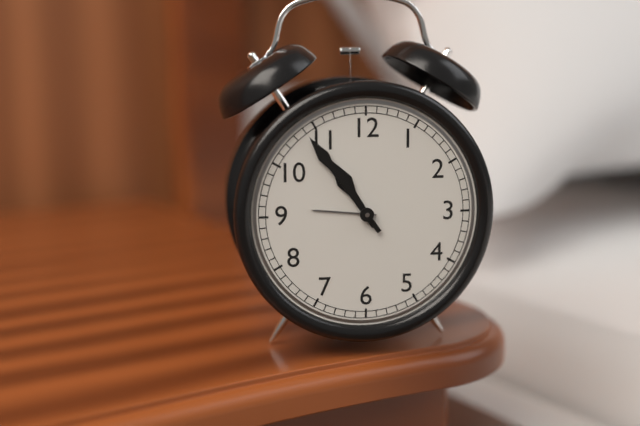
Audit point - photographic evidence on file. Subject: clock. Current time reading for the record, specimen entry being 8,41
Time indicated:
10,54
